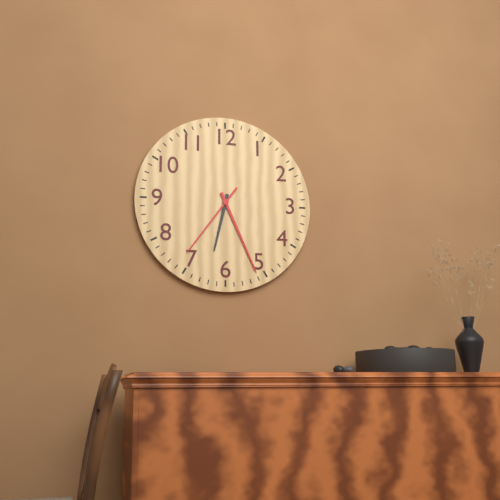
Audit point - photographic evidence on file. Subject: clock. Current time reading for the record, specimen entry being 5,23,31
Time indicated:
6,26,36
